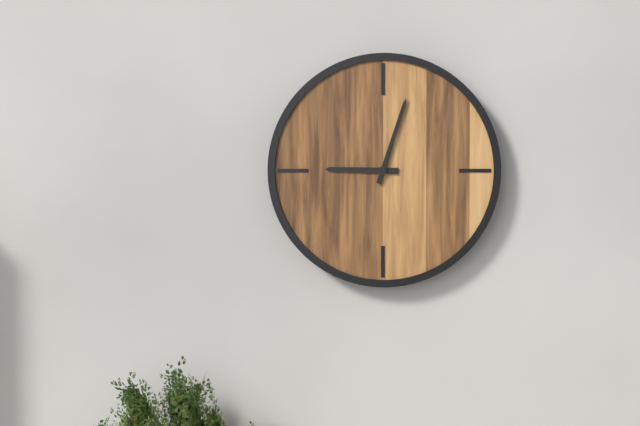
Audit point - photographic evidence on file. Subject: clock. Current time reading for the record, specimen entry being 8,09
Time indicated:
9,03
